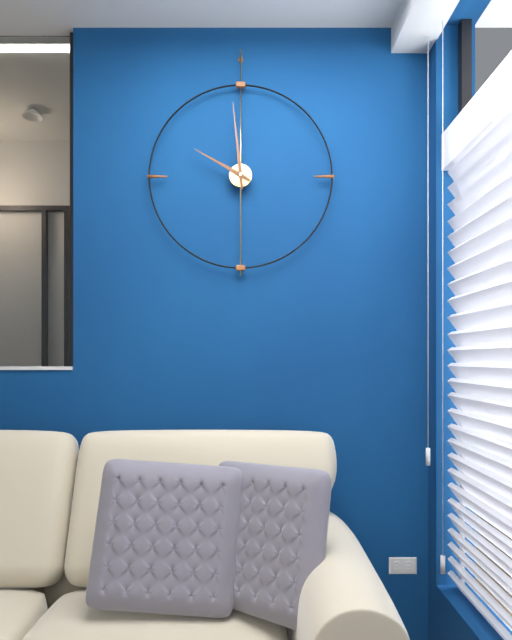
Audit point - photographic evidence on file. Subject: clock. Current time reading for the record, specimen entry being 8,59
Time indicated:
9,59
